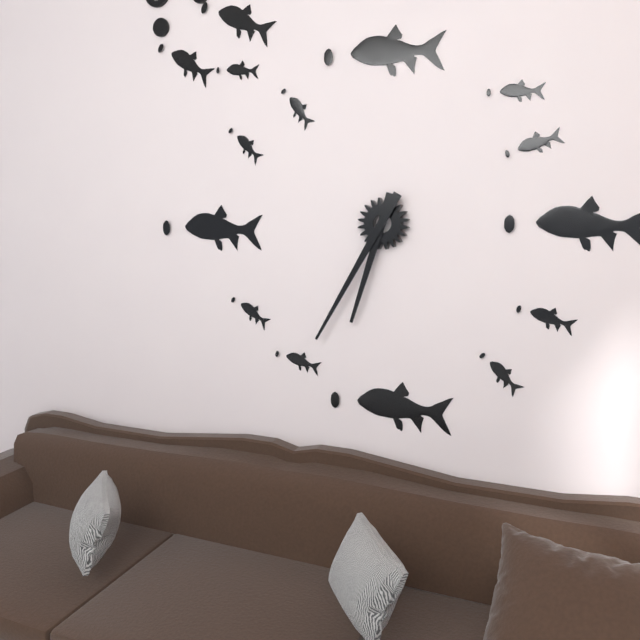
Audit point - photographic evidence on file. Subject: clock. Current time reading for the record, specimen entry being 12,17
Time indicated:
6,35
